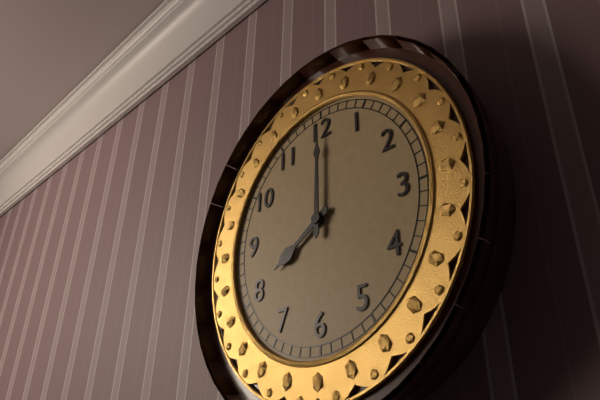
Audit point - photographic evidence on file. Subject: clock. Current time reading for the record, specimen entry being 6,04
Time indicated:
8,00
